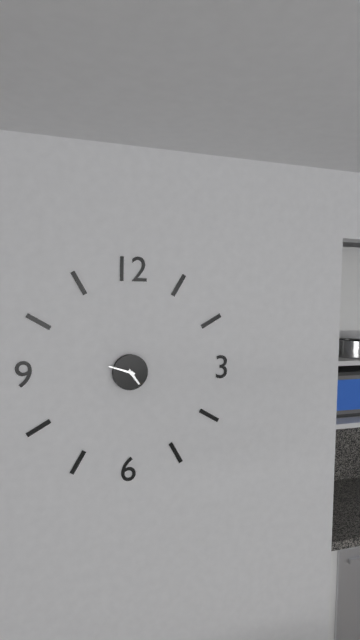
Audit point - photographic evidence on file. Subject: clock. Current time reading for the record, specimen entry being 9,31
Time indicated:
4,48
